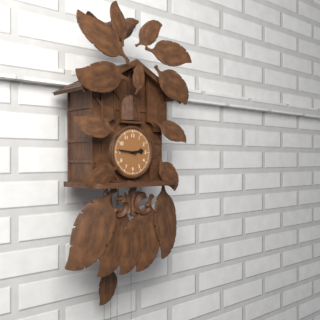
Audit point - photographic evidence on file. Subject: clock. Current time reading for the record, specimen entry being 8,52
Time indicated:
2,46
